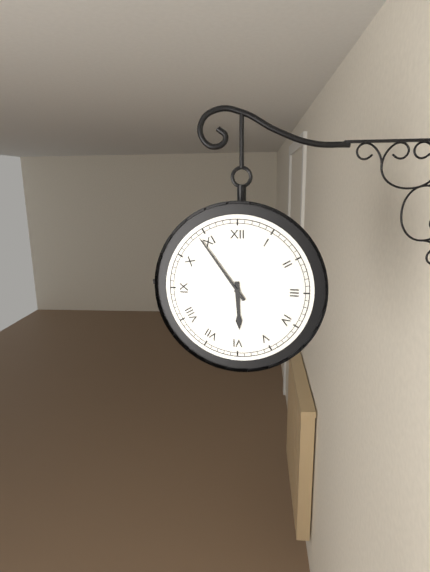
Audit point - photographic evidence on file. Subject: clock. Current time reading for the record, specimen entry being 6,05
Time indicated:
5,54
